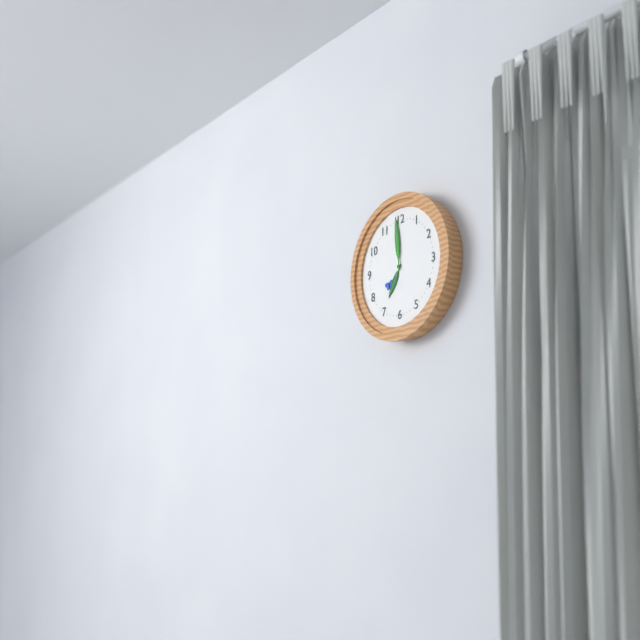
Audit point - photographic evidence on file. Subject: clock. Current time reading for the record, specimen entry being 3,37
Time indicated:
6,59
